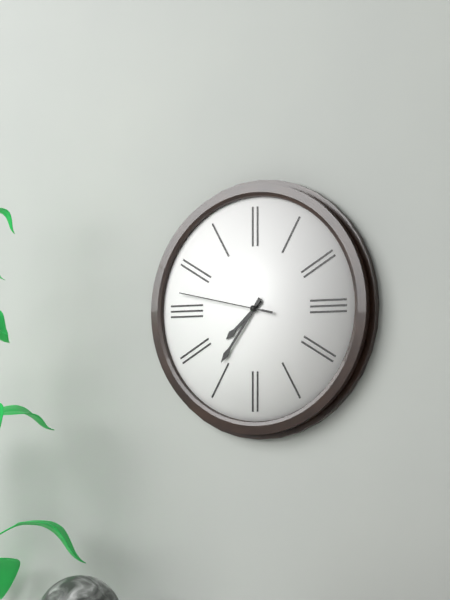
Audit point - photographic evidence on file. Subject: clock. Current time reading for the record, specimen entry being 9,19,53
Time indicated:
7,36,47
